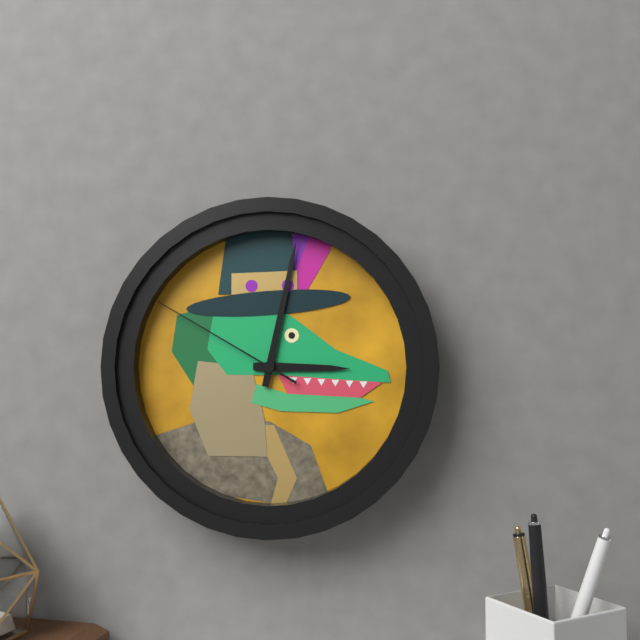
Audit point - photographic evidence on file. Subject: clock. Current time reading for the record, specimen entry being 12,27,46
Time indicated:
3,02,50
